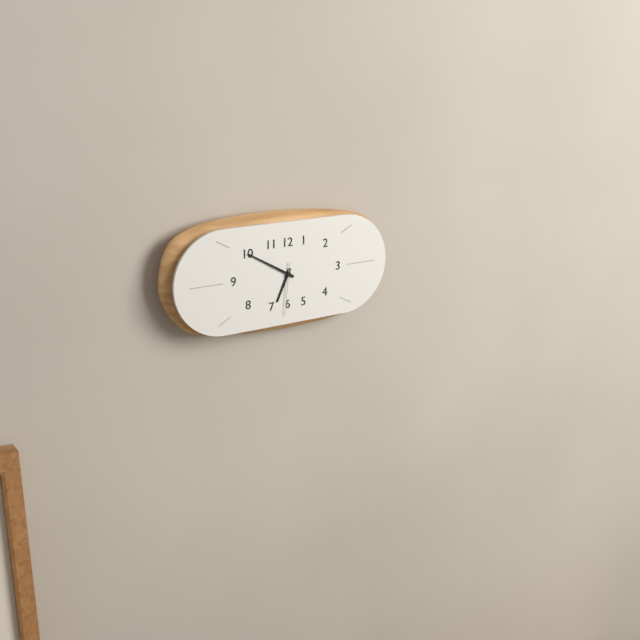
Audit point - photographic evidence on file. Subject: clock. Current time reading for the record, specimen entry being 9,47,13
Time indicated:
6,50,31
